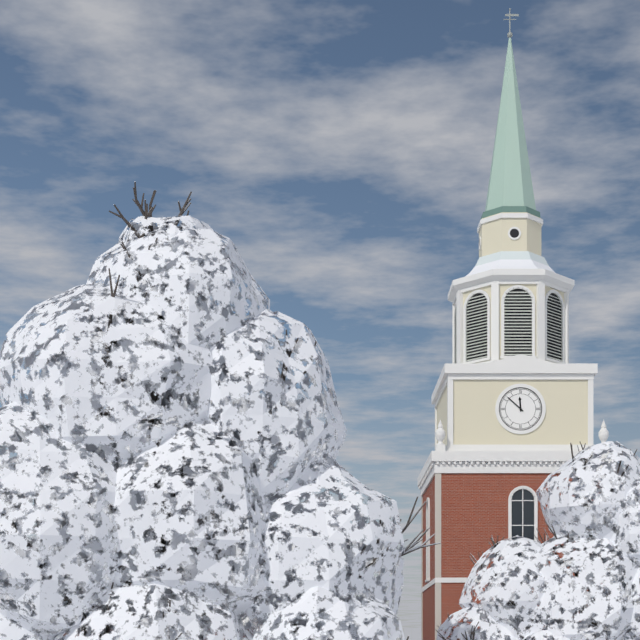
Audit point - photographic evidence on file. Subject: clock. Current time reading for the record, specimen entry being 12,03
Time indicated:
11,52
